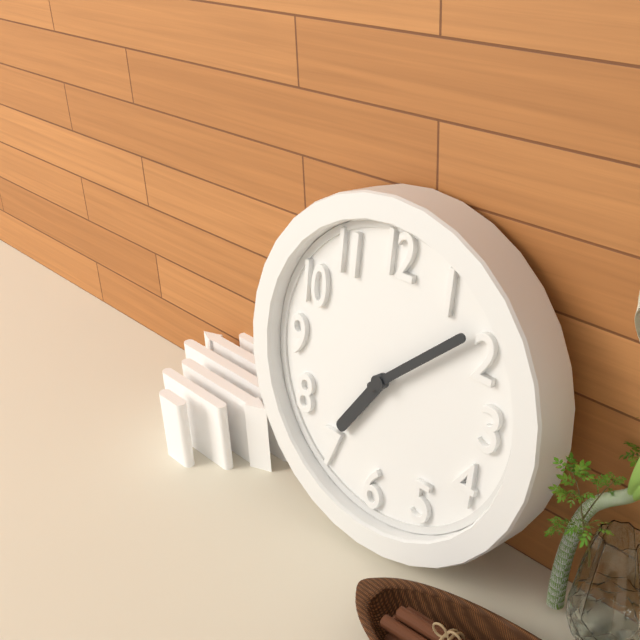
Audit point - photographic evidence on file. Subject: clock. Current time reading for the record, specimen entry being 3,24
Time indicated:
7,08
